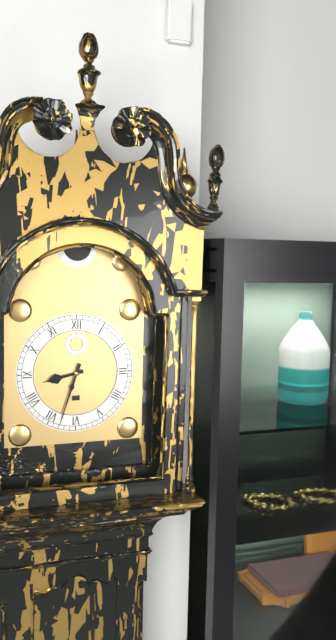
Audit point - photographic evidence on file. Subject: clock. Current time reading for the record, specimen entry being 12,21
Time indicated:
8,33
